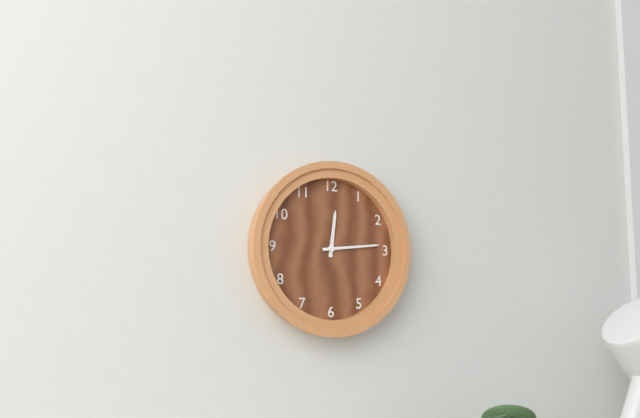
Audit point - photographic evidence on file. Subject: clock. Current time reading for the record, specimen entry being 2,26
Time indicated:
12,14
